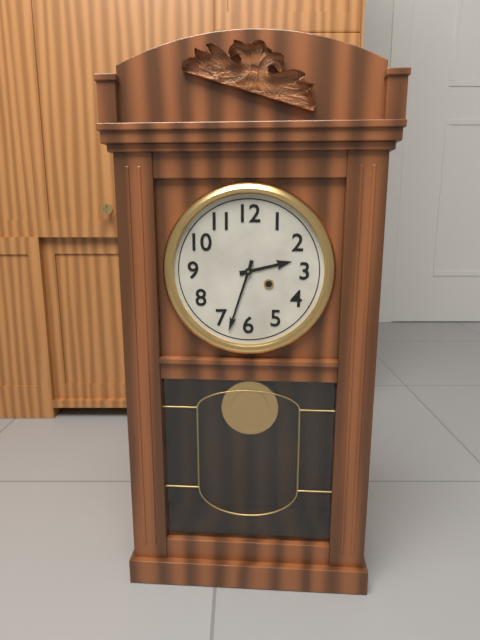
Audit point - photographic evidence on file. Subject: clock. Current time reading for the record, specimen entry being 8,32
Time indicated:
2,33
